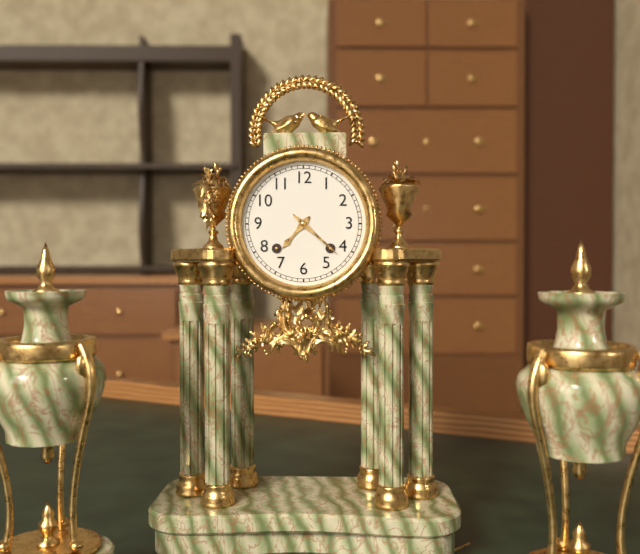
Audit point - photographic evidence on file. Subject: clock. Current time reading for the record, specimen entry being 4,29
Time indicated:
7,22
